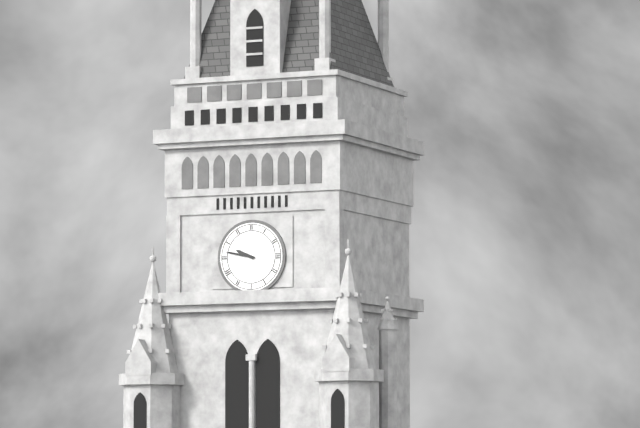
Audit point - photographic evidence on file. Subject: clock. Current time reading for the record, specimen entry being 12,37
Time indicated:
9,47
